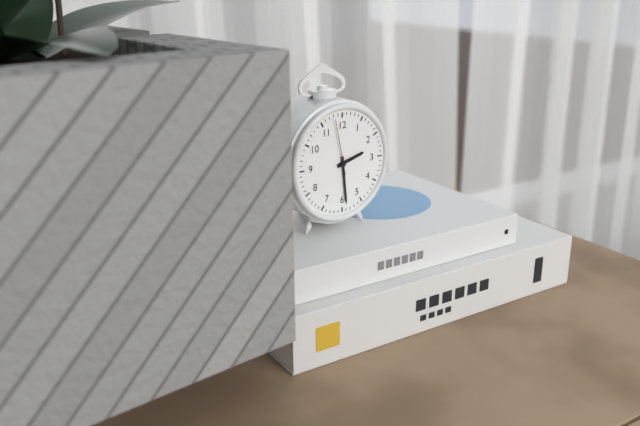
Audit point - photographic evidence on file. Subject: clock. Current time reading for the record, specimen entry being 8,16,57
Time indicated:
2,29,58
